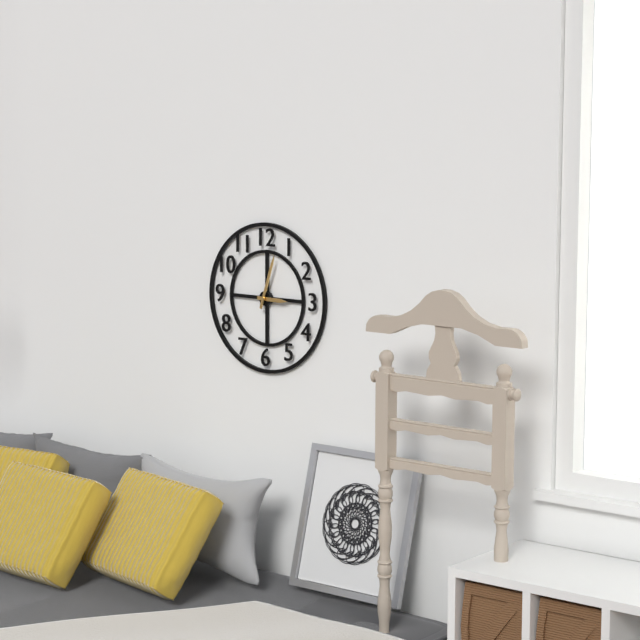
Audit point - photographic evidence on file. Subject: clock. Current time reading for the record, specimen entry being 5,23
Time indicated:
3,03
